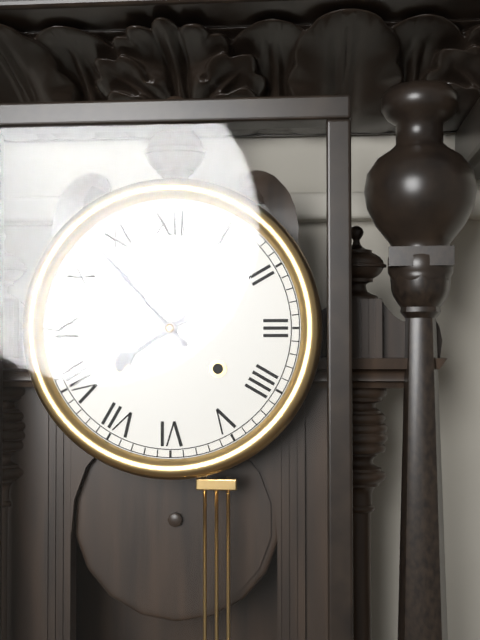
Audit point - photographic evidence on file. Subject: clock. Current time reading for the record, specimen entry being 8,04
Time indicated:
7,53
